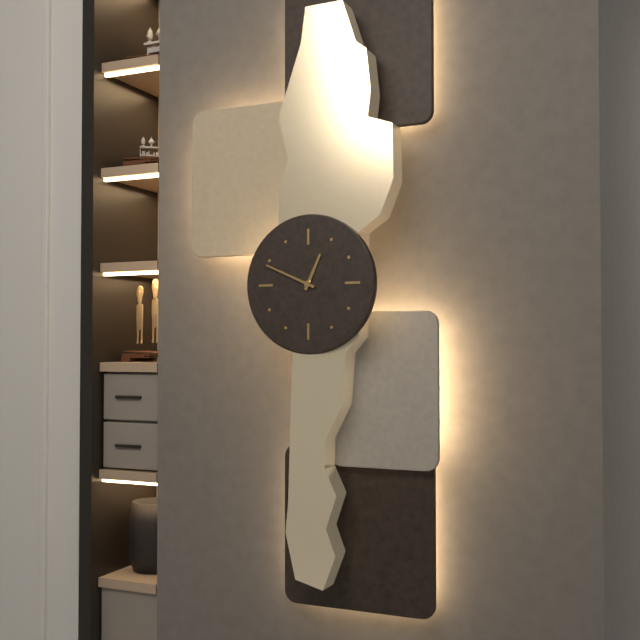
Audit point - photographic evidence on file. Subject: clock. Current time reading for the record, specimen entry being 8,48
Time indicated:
12,49
